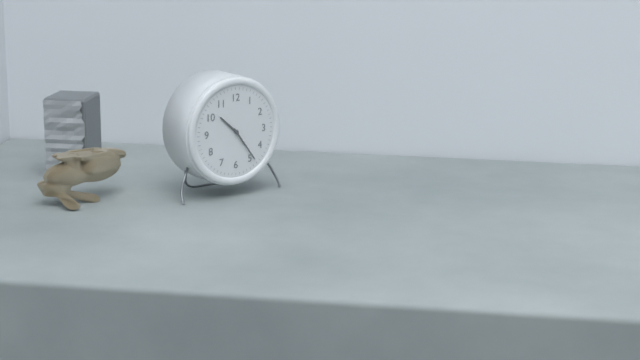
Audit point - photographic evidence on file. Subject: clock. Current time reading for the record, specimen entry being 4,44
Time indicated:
10,24
